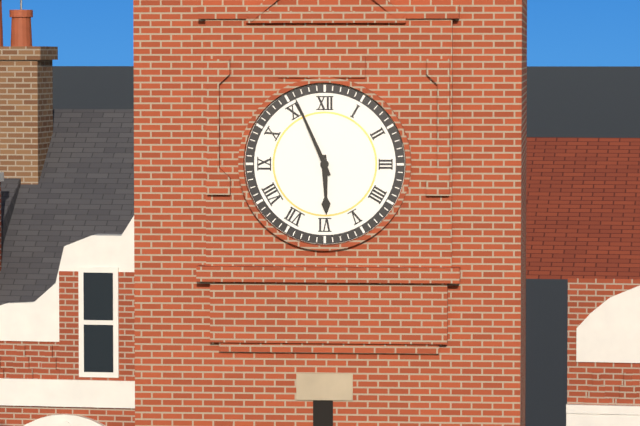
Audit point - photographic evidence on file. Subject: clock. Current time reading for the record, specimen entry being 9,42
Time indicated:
5,56
